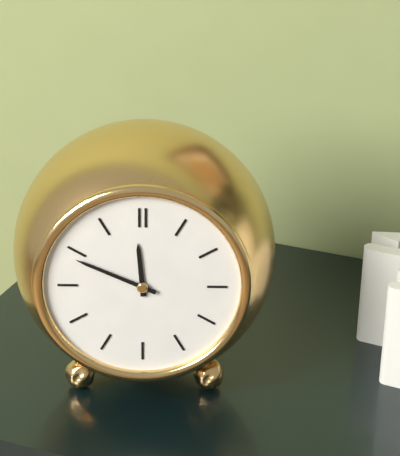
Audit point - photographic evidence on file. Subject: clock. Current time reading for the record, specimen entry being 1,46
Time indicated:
11,49
